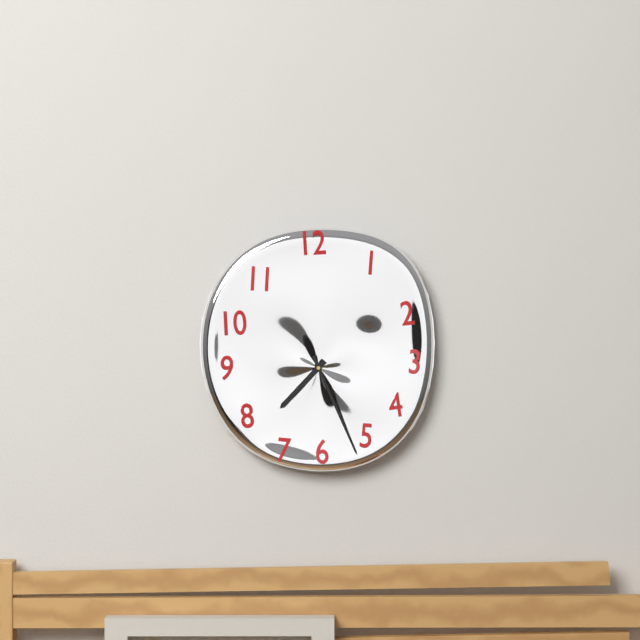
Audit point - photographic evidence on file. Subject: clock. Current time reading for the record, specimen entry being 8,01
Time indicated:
7,26
